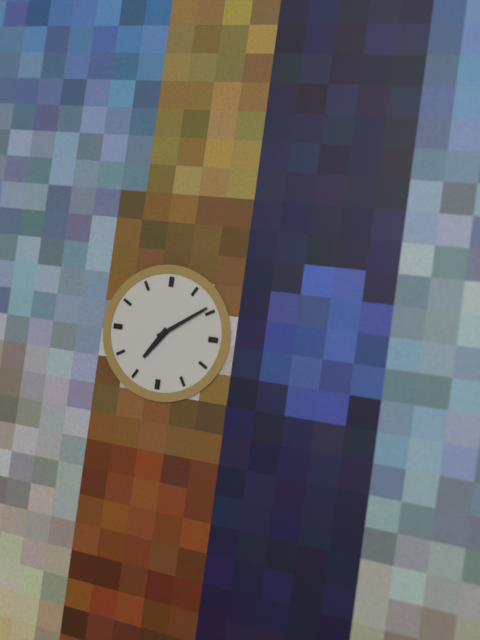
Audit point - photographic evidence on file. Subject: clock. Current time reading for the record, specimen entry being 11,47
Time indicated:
7,09
